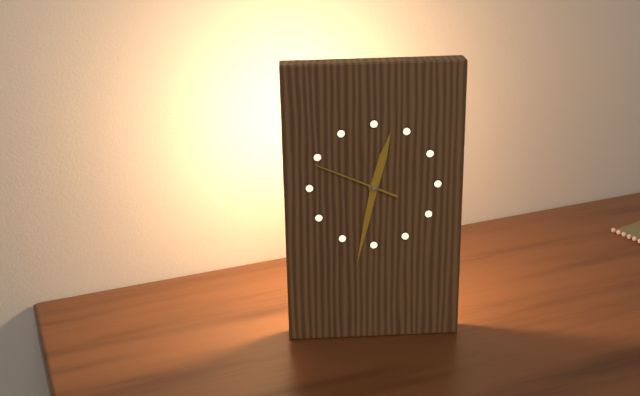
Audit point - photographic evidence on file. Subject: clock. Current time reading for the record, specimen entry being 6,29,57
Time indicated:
12,32,49
